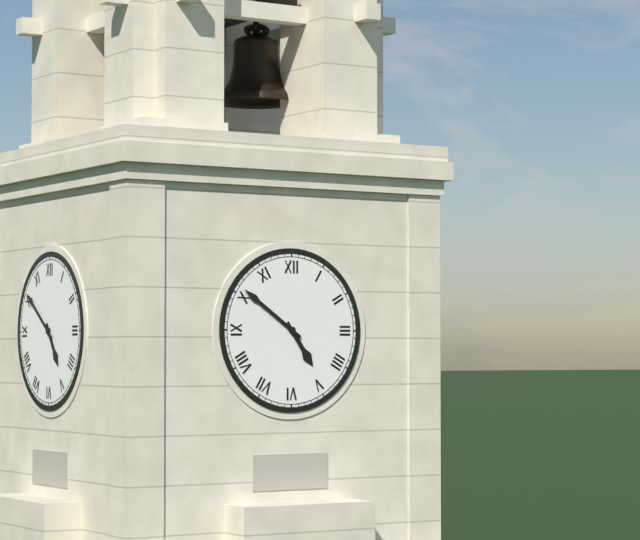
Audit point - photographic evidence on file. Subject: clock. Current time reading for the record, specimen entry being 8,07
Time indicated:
4,51
